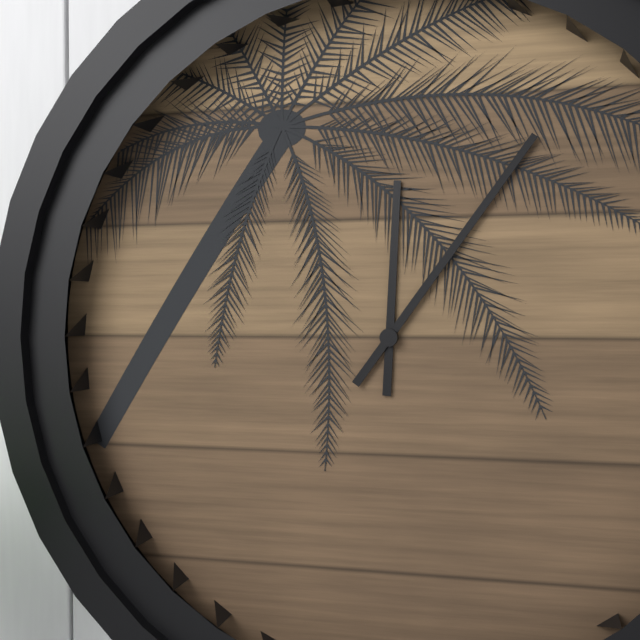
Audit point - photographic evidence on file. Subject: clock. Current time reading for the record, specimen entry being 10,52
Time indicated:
12,06
